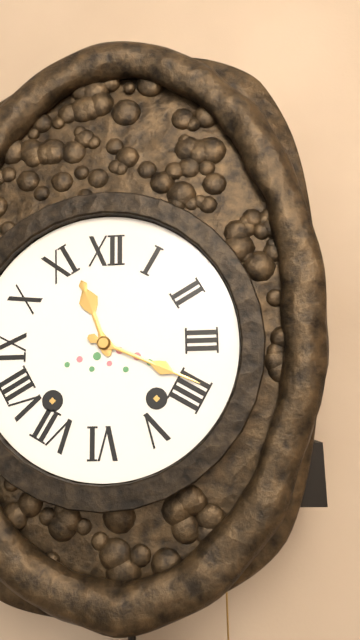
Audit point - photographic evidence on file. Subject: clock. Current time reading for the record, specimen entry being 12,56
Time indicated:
11,19
